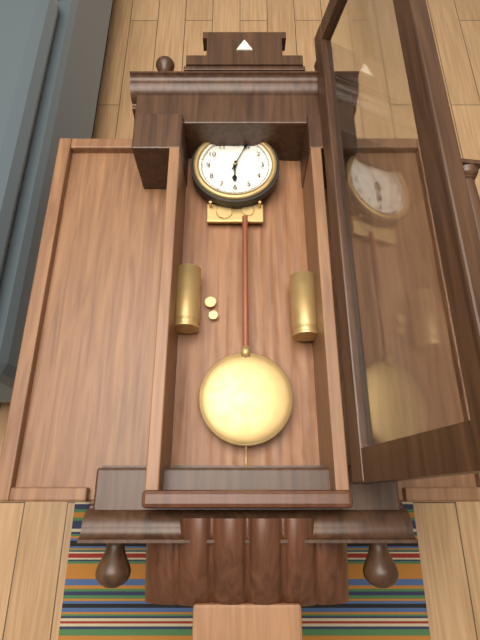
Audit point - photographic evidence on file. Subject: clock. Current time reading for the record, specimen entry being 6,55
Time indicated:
6,04
